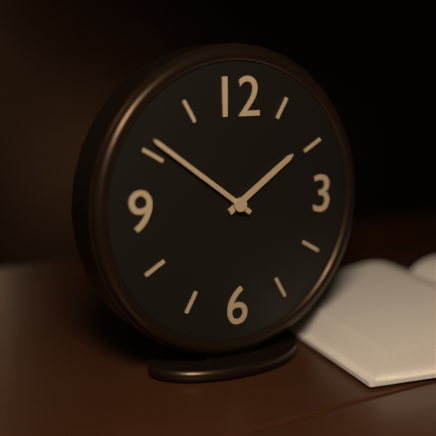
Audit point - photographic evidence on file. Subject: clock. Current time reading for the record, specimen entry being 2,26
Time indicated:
1,51
